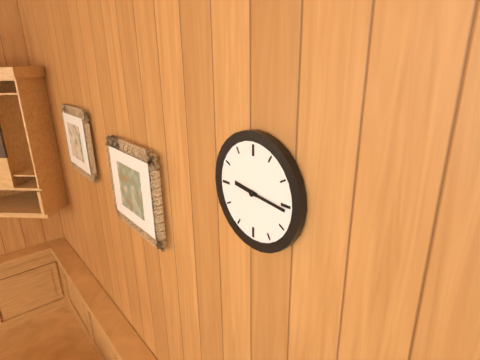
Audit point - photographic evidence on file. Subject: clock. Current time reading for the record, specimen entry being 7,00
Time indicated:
9,16
